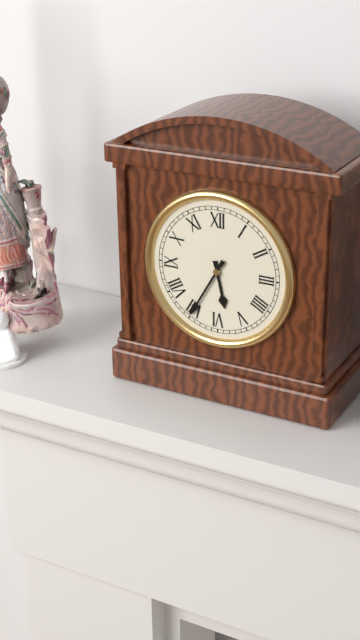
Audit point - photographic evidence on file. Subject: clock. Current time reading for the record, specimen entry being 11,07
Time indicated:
5,35
